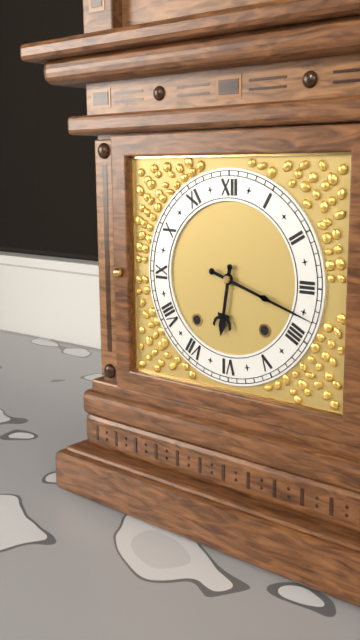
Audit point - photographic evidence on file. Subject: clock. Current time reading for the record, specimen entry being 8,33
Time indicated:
6,18
